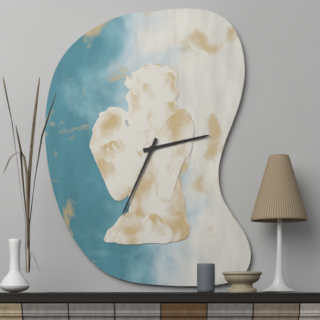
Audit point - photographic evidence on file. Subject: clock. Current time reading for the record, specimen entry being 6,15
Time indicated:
2,34
